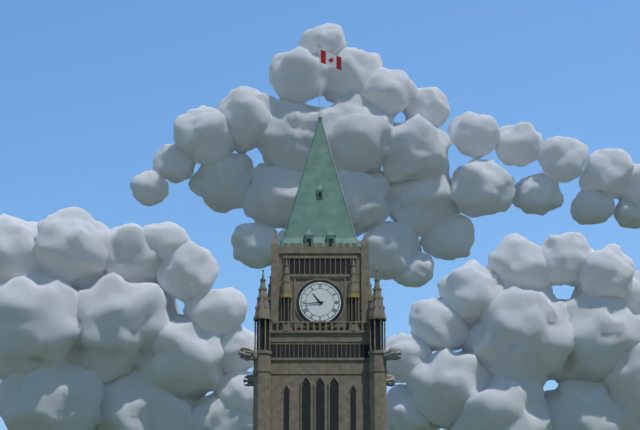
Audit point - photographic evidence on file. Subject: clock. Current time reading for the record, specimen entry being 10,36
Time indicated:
10,44
